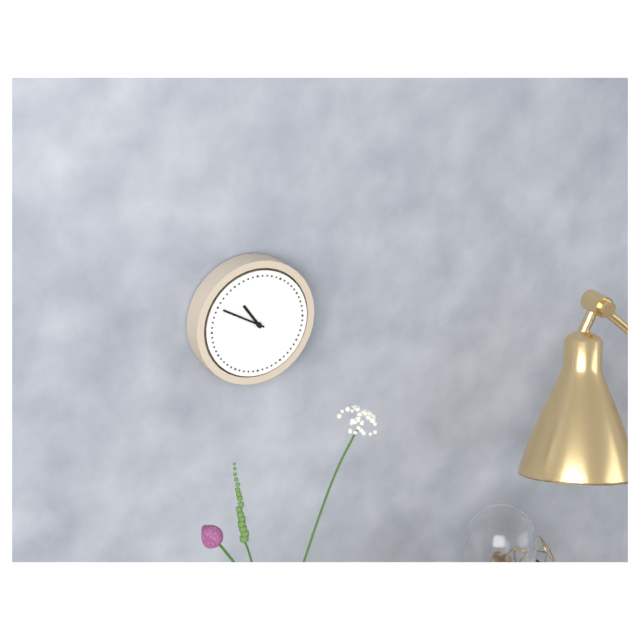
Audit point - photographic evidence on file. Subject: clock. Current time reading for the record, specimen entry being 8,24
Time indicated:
10,50
